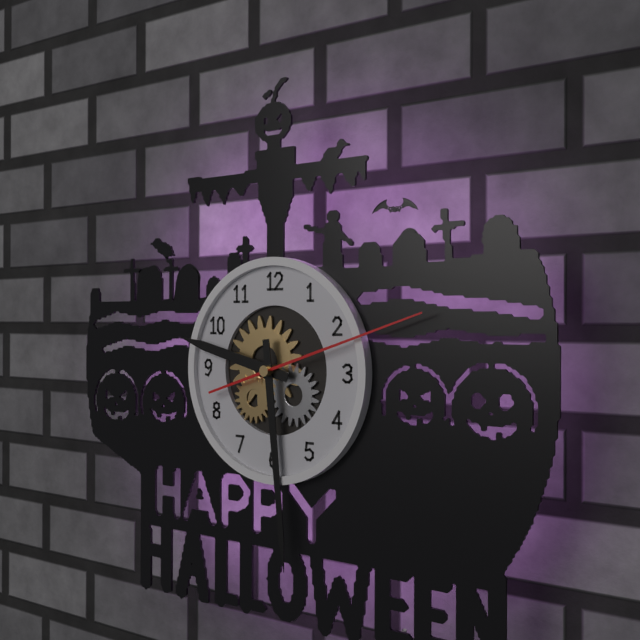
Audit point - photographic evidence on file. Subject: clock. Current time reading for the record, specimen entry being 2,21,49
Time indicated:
9,29,12
